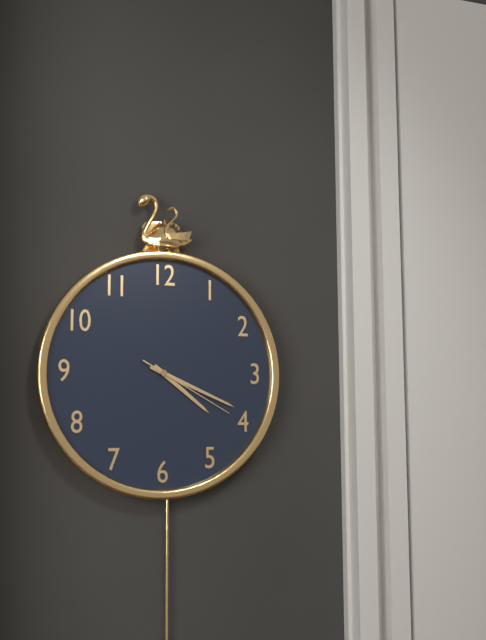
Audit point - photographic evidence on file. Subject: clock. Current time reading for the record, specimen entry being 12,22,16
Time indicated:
4,19,20
